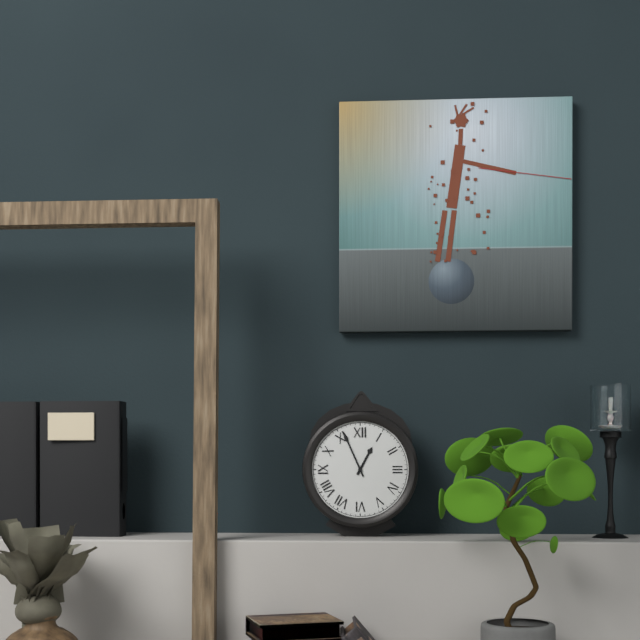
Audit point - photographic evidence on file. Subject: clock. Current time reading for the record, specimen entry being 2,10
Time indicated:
12,56
